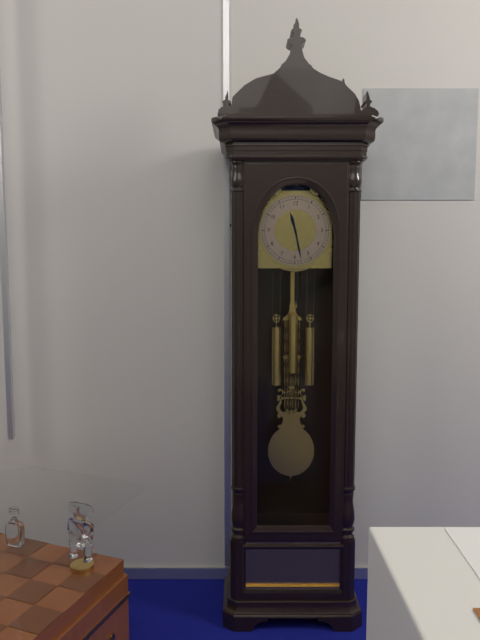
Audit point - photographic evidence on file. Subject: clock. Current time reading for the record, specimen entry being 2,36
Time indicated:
11,28
